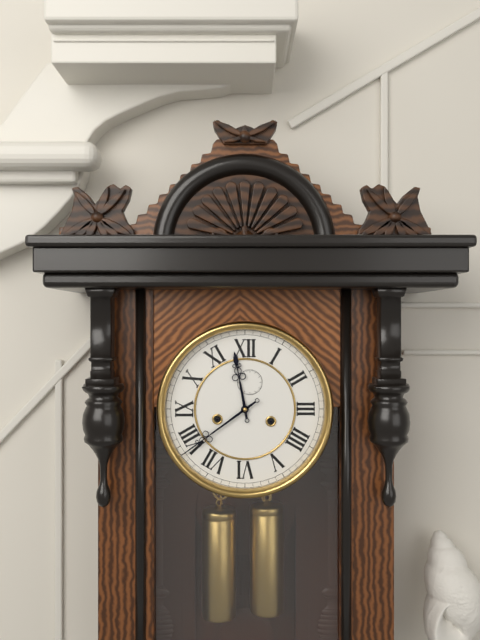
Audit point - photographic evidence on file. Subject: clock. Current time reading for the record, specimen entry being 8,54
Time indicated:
11,39
